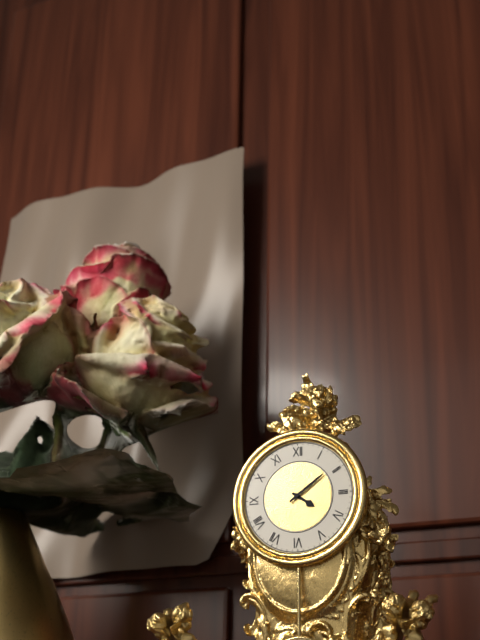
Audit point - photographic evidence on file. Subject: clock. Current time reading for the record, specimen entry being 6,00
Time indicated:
4,09
